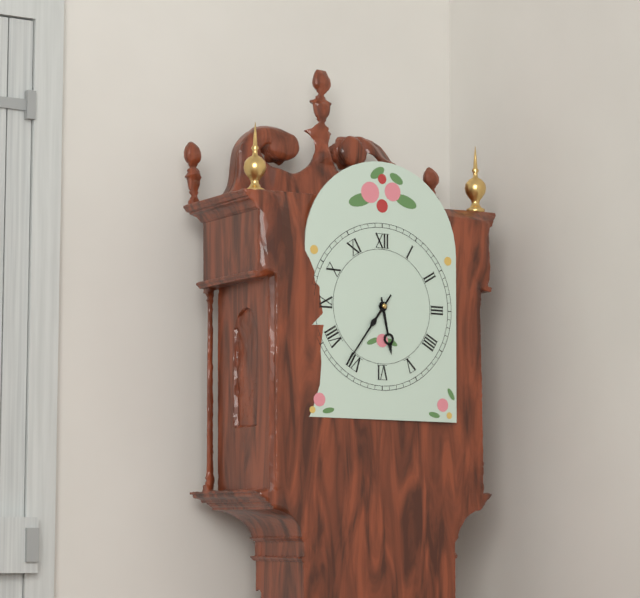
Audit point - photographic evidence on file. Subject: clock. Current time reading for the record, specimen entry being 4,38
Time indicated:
5,36
